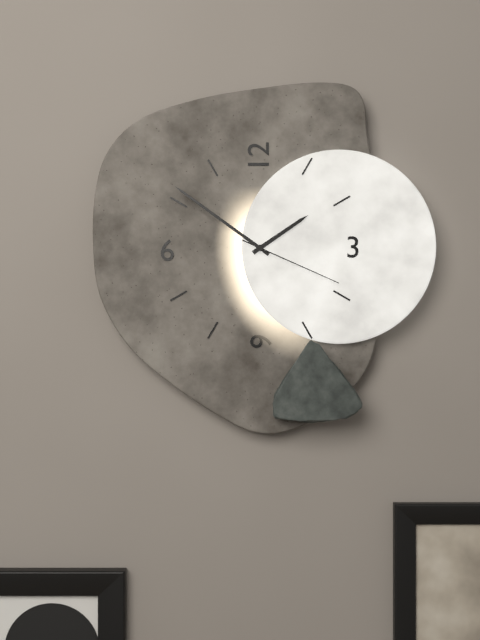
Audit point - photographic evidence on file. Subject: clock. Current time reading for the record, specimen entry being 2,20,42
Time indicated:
1,51,19
